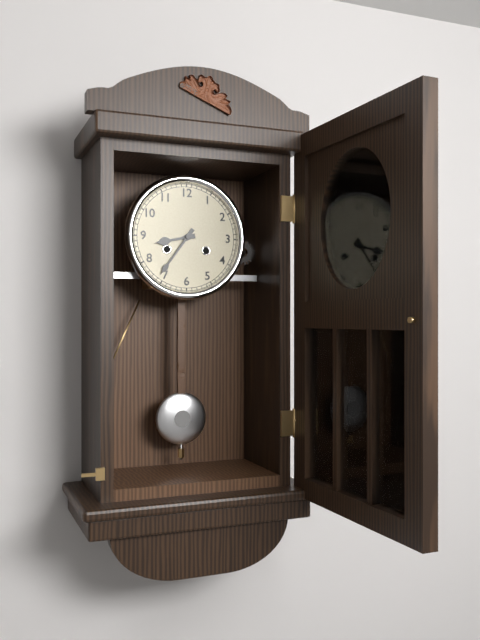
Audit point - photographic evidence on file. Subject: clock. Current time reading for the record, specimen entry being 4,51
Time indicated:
8,36
